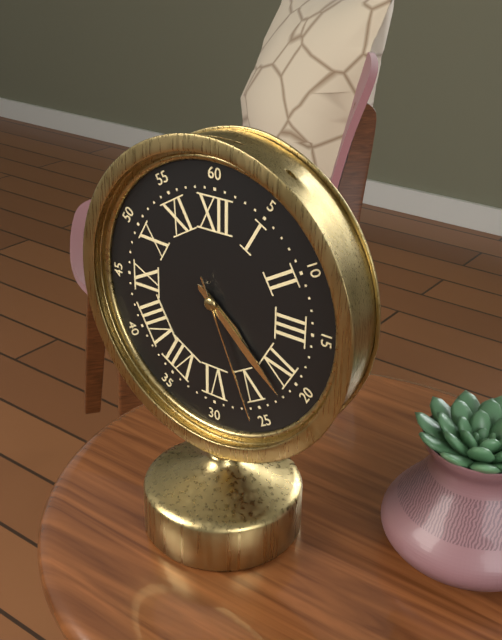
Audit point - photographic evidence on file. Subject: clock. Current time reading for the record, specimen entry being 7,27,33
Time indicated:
4,22,26
